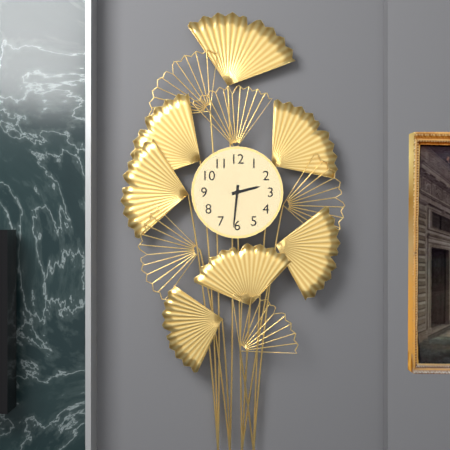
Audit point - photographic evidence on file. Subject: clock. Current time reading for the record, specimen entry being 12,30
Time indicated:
2,31
